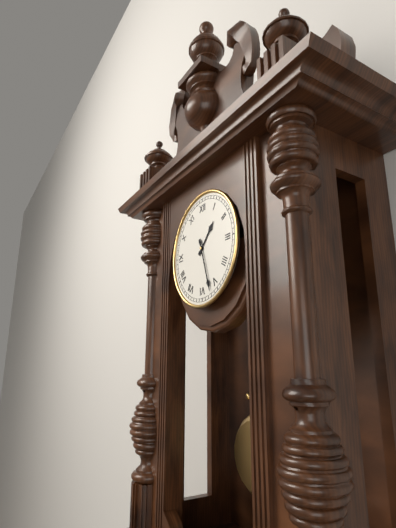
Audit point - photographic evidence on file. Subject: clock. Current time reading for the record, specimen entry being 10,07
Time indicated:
1,27
